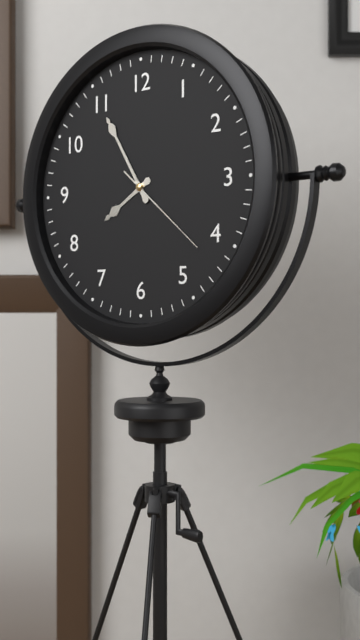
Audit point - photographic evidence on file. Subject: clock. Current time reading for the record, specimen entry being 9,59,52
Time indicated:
7,55,22
